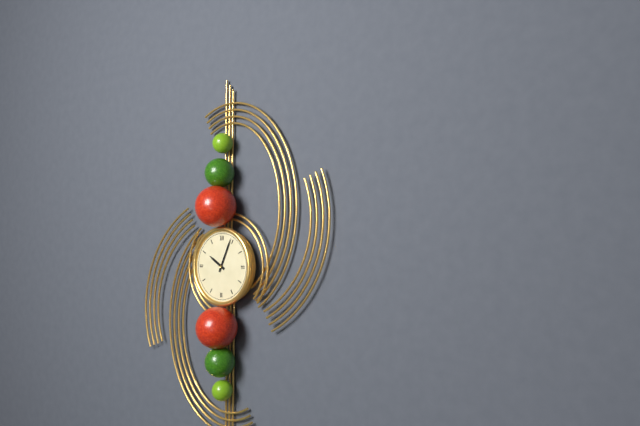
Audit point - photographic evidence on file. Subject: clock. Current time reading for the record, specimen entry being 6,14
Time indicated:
10,04
